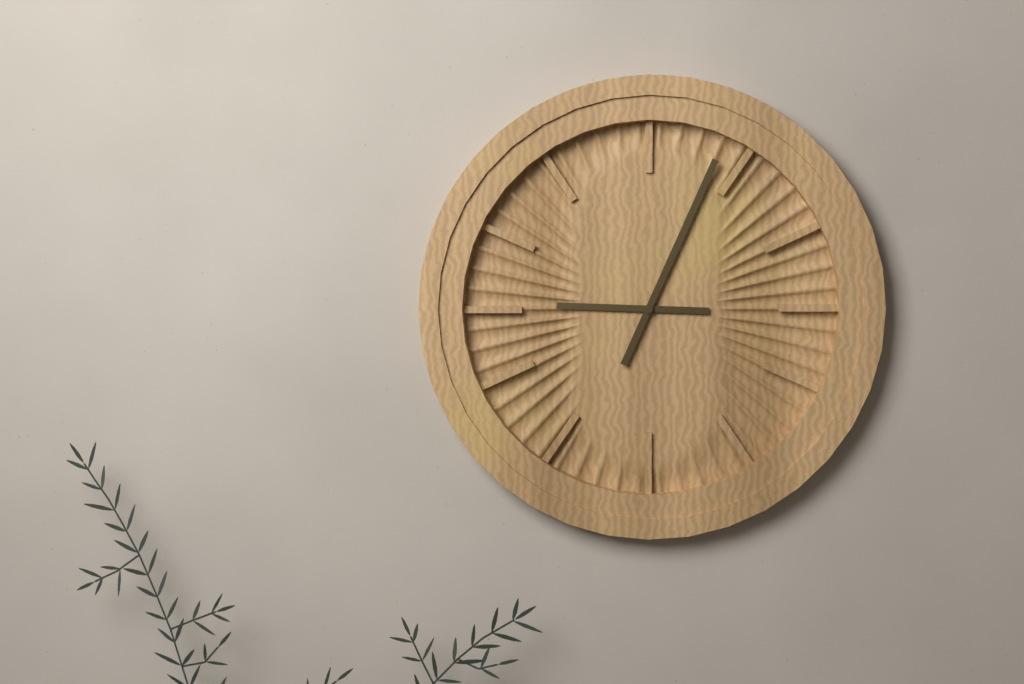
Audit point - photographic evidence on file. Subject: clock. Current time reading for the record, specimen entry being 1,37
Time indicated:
9,04
